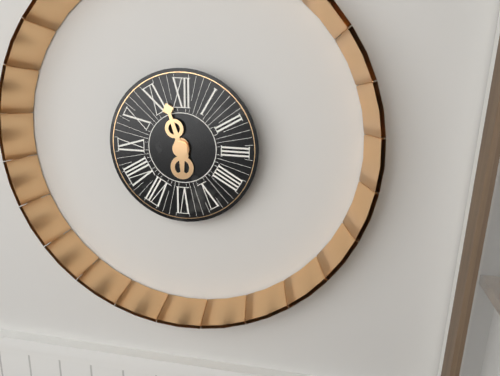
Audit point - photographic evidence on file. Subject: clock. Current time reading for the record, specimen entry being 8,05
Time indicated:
5,57
